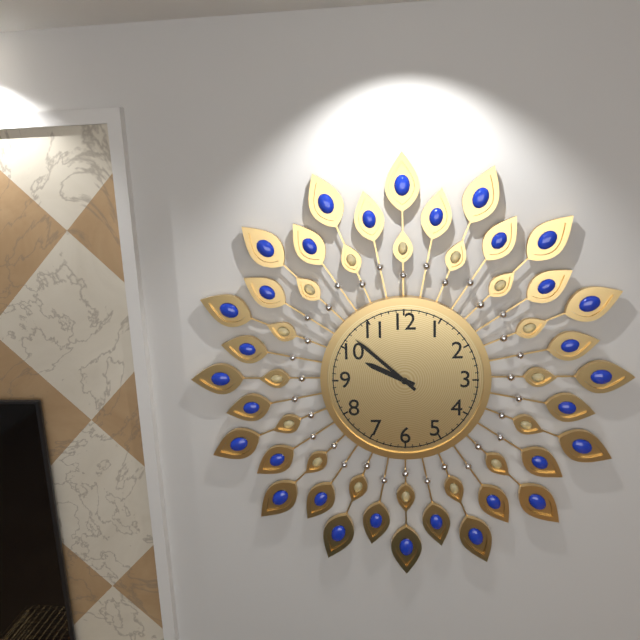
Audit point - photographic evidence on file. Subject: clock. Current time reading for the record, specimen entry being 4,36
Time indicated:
9,52
